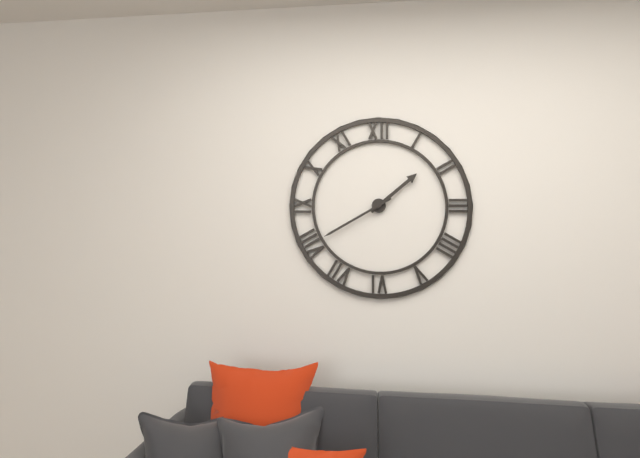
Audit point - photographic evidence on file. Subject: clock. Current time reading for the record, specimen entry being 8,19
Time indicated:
1,40
